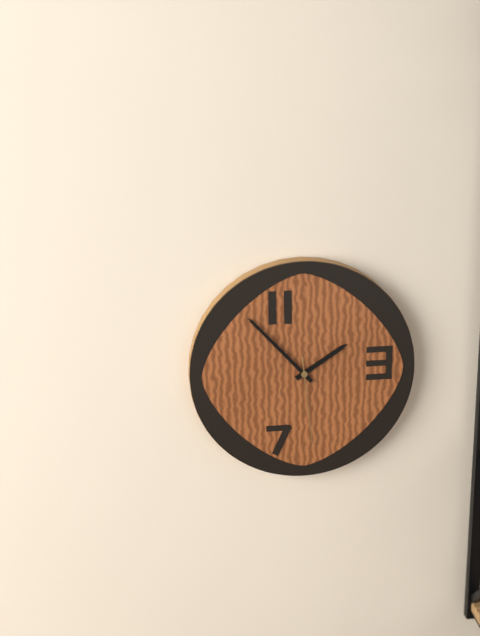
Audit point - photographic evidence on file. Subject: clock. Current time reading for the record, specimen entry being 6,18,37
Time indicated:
1,53,29
